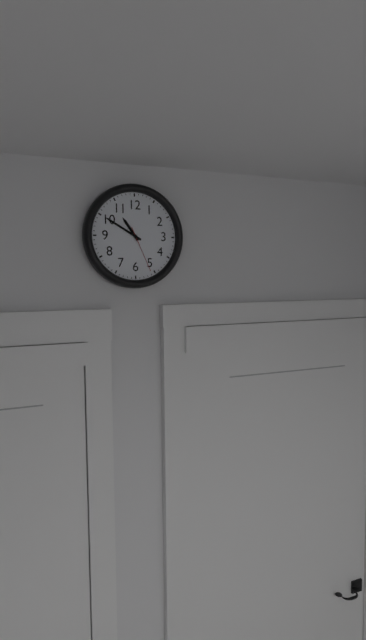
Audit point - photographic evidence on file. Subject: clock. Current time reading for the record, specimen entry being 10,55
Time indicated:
10,50
